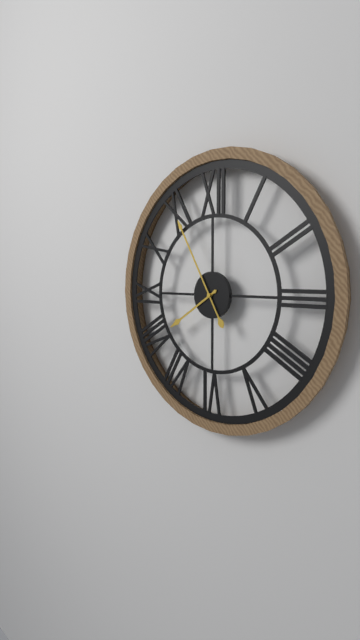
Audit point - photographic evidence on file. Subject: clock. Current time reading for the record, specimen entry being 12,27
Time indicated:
7,55
